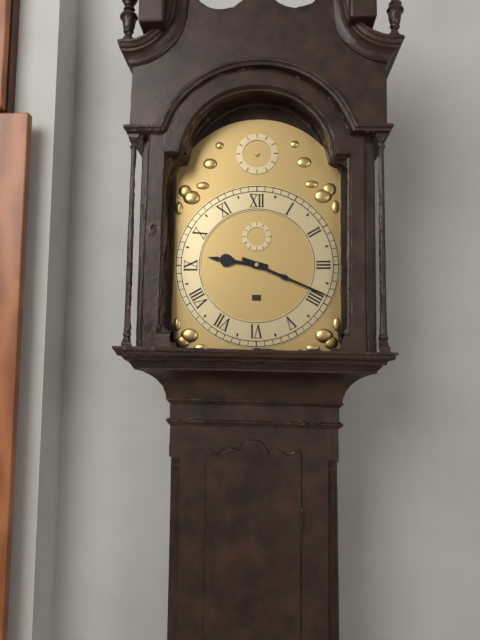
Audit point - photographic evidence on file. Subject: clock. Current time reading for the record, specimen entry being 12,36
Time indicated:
9,19
